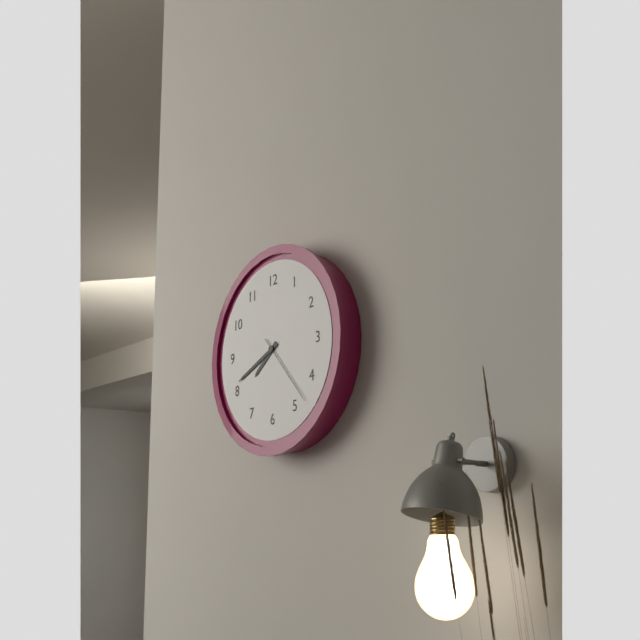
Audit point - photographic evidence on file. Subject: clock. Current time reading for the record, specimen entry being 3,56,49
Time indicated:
7,41,23
